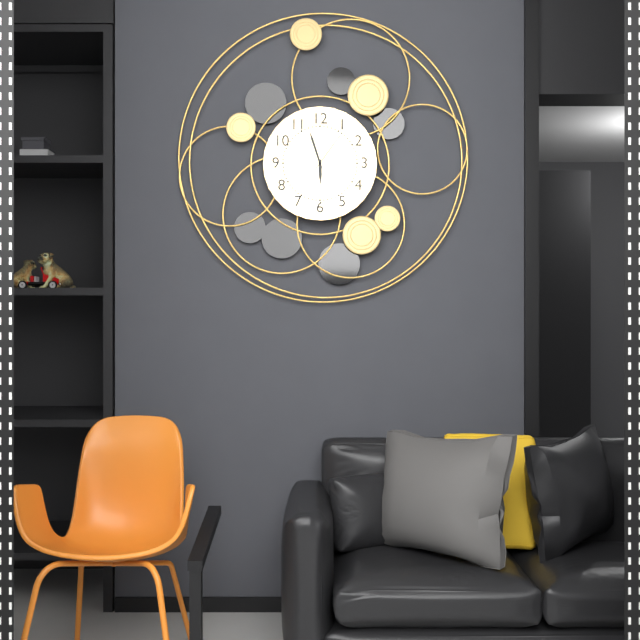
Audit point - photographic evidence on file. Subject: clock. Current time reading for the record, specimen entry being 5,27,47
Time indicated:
5,57,06
